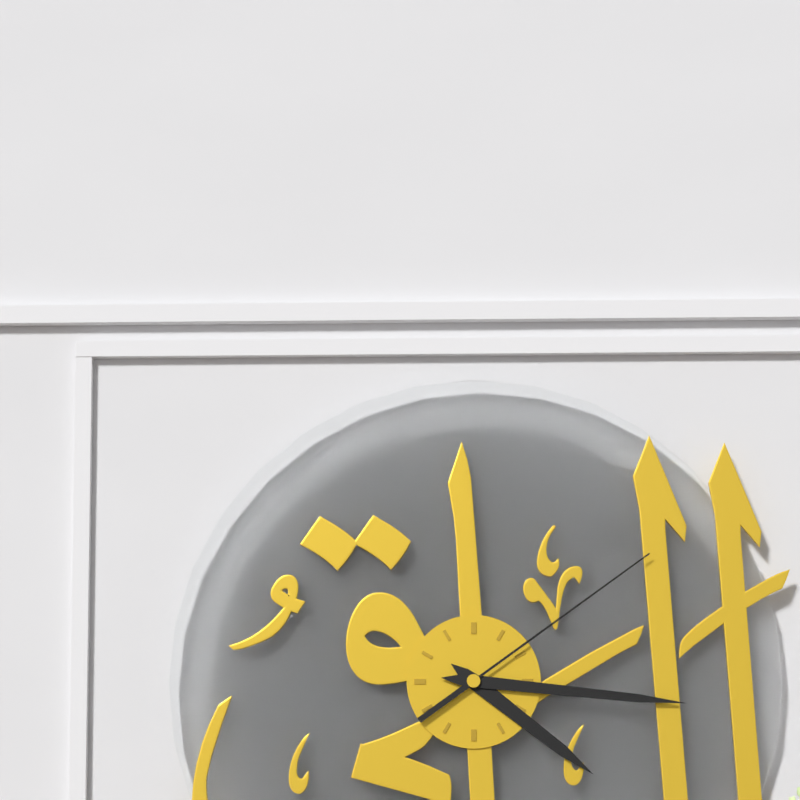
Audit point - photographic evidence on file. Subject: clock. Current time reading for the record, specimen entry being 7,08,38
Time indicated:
4,16,09
